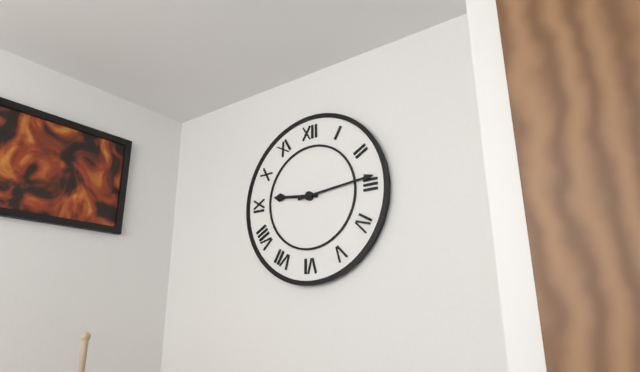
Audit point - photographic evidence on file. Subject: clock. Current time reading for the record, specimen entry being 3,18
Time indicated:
9,14
